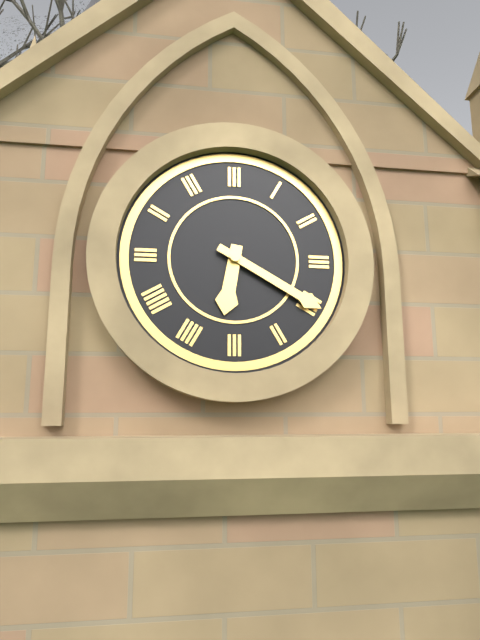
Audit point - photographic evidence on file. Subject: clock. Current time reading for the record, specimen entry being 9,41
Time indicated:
6,20
